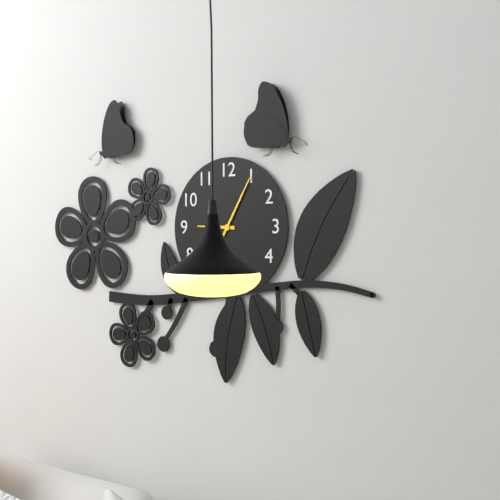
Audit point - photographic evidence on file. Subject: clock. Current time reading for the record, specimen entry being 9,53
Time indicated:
9,05
